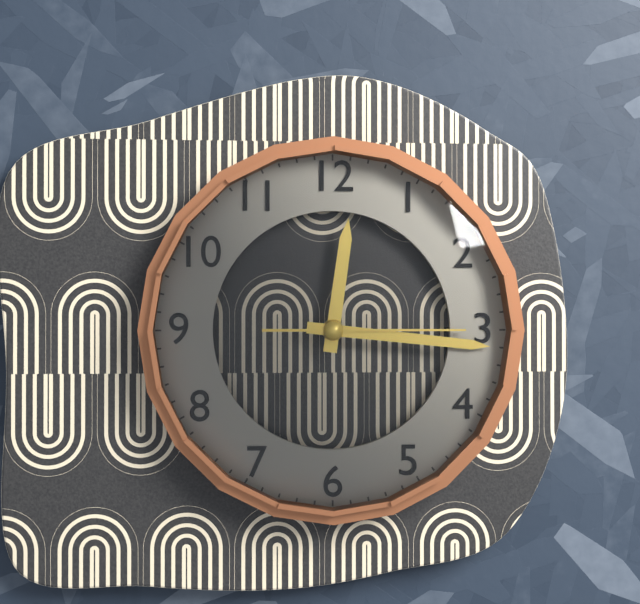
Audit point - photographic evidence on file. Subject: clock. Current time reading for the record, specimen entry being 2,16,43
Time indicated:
12,16,15
